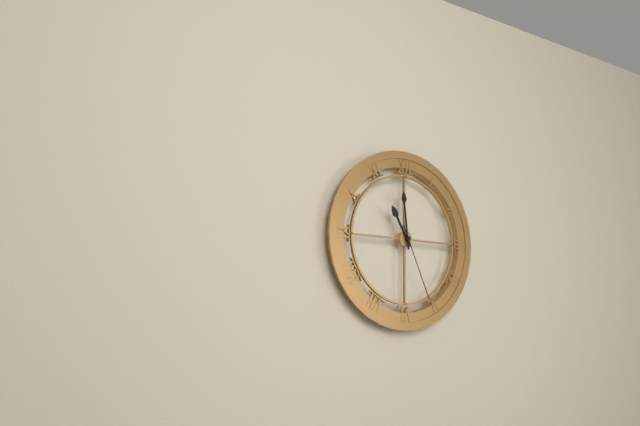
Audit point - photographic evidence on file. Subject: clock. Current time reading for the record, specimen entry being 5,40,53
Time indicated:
10,59,26
